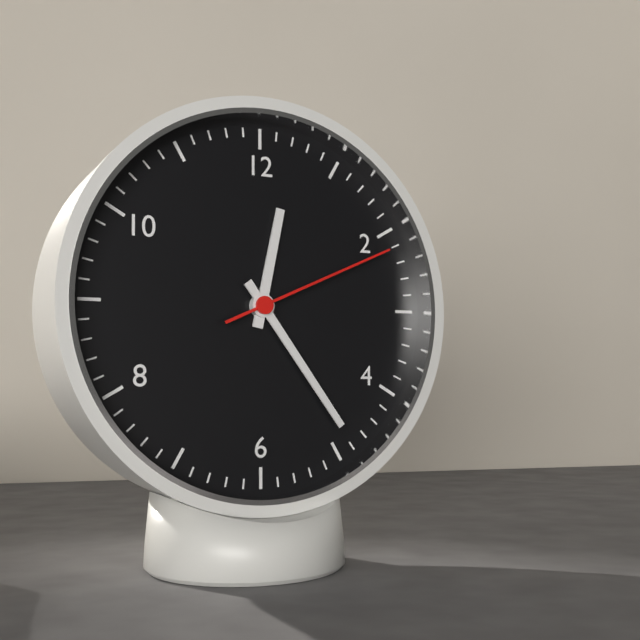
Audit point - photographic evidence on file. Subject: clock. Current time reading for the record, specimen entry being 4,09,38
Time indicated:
12,24,11
